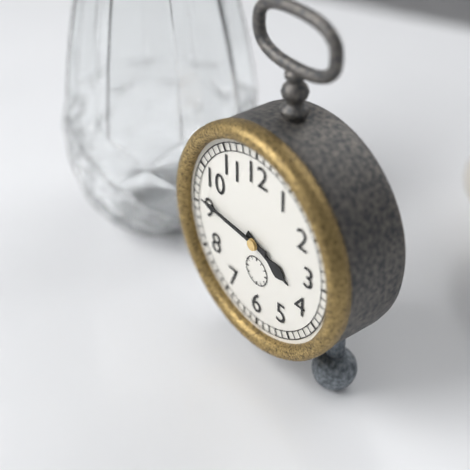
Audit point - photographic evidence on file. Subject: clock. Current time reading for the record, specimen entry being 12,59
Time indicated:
3,46
